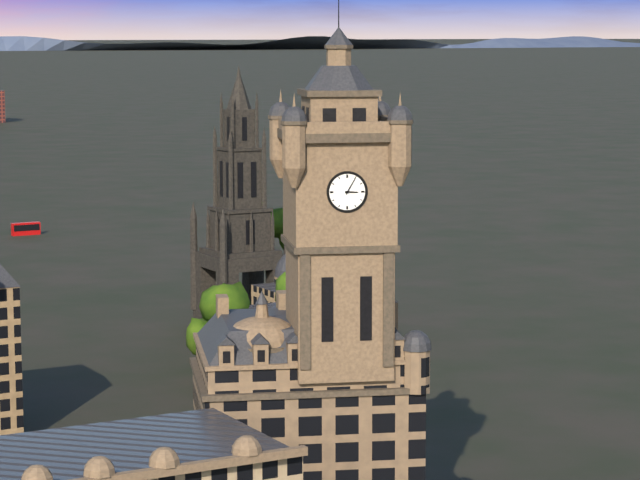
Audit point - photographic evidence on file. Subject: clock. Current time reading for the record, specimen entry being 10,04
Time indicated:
3,05
